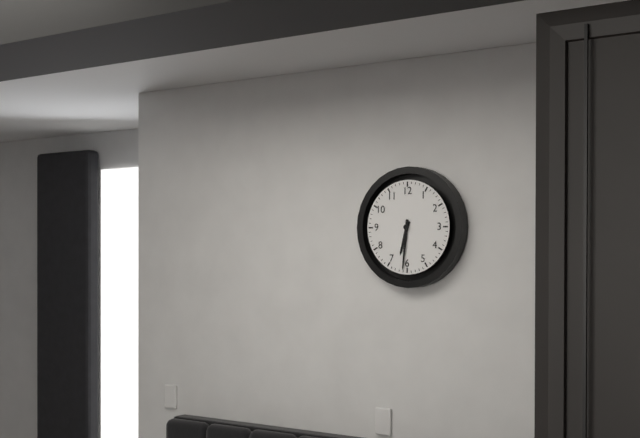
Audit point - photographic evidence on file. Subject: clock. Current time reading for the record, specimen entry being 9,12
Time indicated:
6,31
